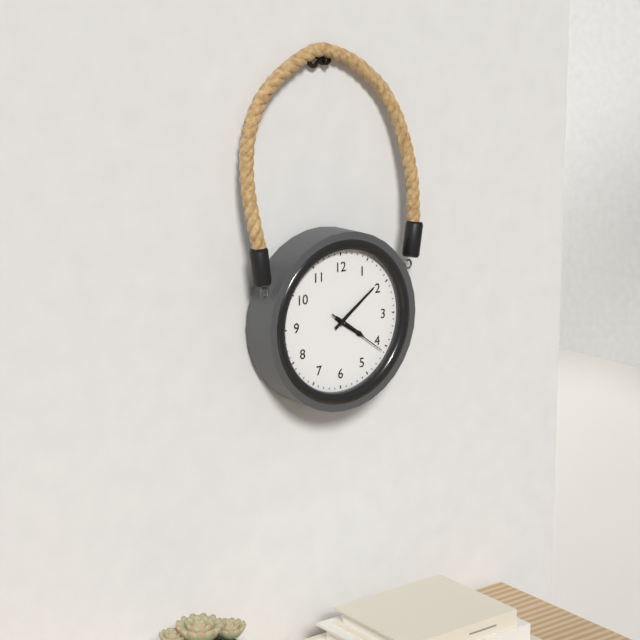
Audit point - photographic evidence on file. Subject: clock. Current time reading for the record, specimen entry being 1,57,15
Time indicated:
4,09,21
